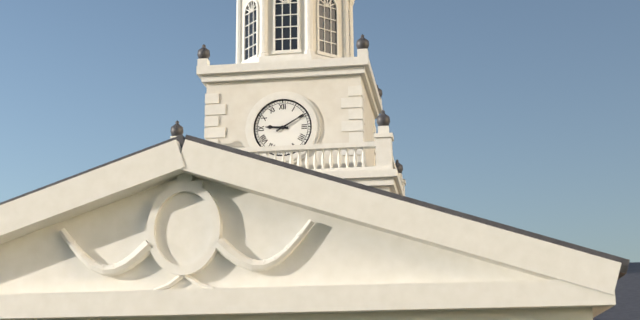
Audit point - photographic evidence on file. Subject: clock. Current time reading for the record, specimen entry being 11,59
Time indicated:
9,10
